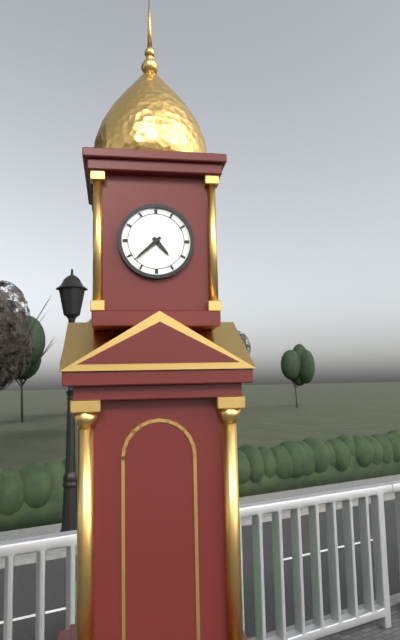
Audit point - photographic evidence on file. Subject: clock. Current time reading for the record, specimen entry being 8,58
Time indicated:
4,38
